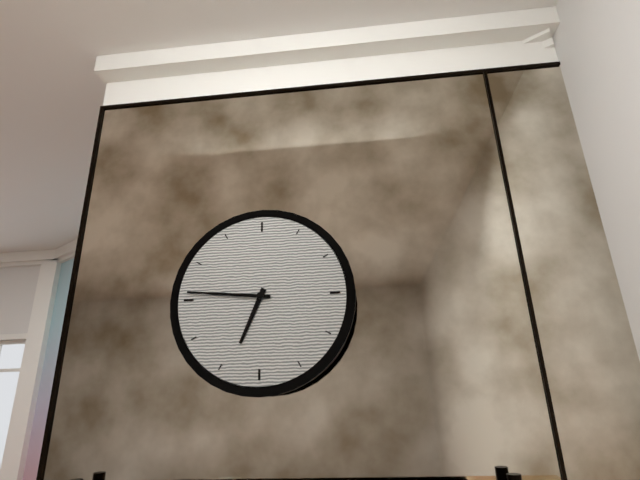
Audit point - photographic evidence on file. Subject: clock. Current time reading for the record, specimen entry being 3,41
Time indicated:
6,46
